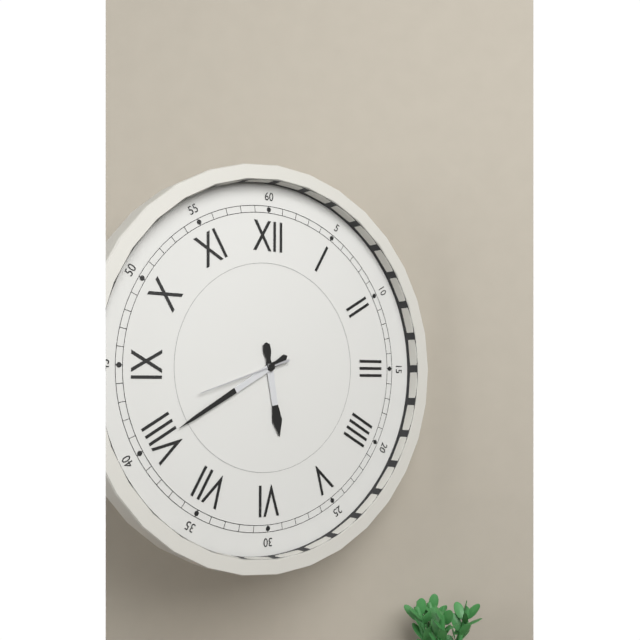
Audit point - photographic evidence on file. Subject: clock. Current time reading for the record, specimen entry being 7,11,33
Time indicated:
5,40,42
